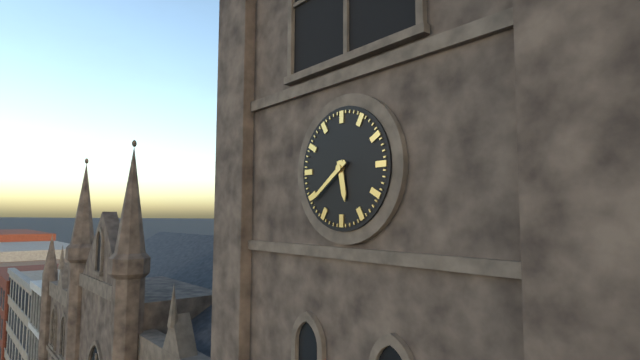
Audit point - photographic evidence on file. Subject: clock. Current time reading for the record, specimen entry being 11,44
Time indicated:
5,39
